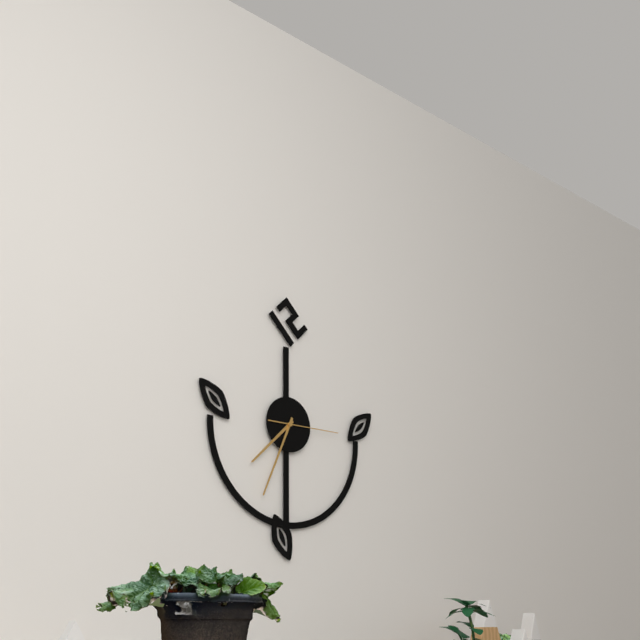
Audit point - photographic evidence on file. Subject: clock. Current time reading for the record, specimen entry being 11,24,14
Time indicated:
7,34,15
